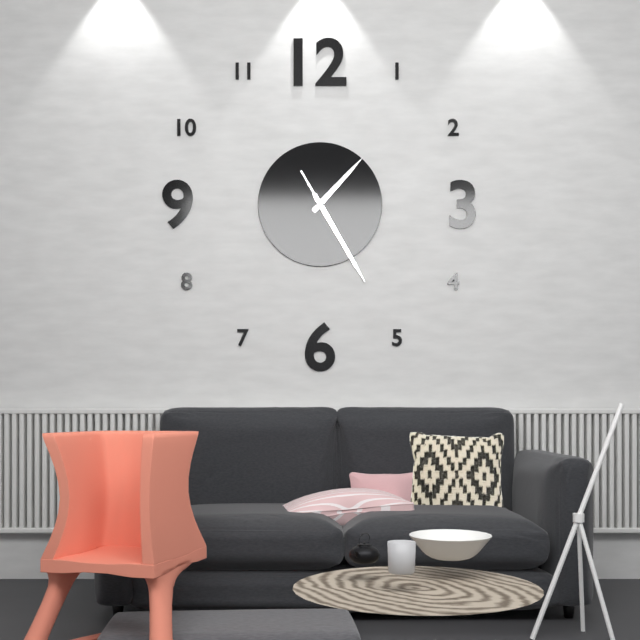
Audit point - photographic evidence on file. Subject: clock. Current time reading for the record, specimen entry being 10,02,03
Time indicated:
1,25,25
